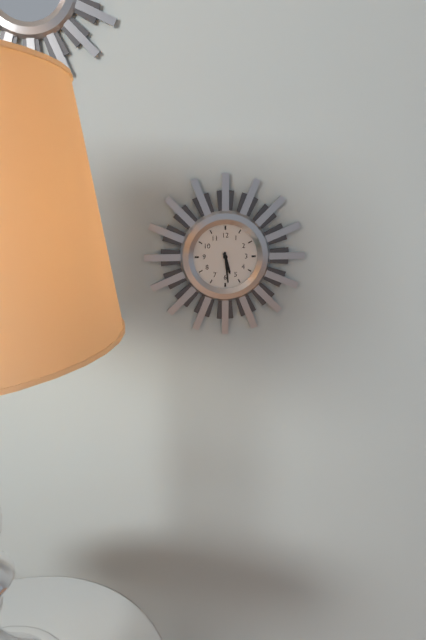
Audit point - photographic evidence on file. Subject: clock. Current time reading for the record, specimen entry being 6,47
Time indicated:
5,29
